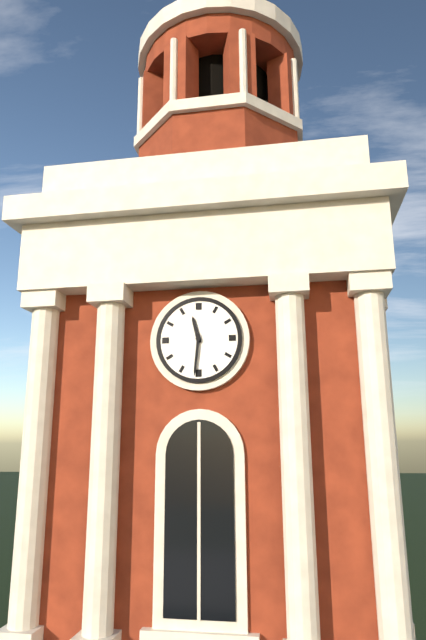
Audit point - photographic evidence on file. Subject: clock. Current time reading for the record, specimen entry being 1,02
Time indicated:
11,31
